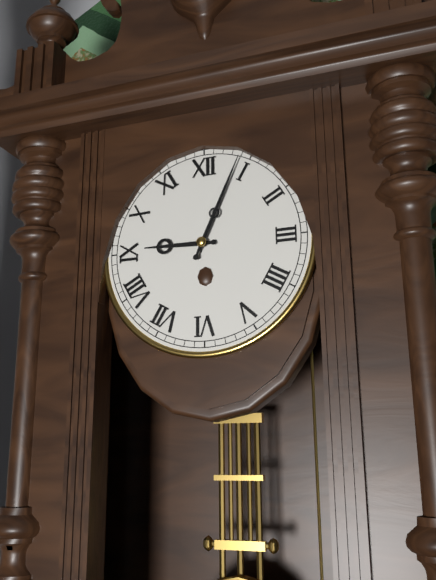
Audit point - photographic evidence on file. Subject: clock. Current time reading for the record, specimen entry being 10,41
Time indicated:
9,04
